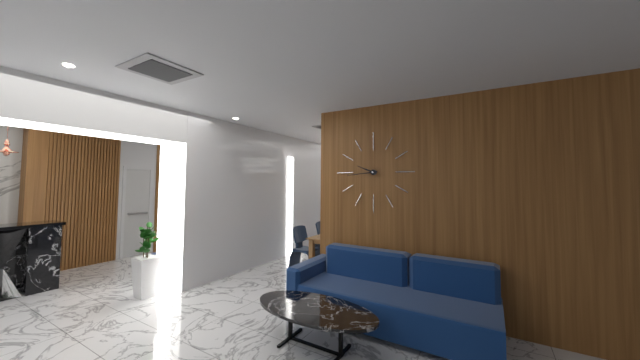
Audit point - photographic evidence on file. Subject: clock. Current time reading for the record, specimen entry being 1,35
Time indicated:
9,44
